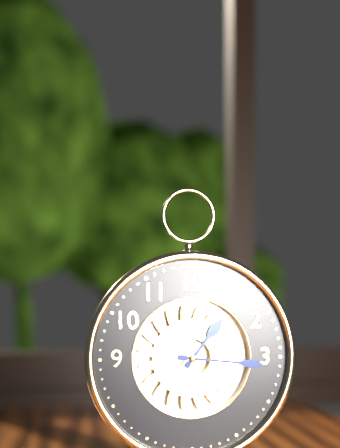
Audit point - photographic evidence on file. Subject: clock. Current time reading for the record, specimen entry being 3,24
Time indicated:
1,16
